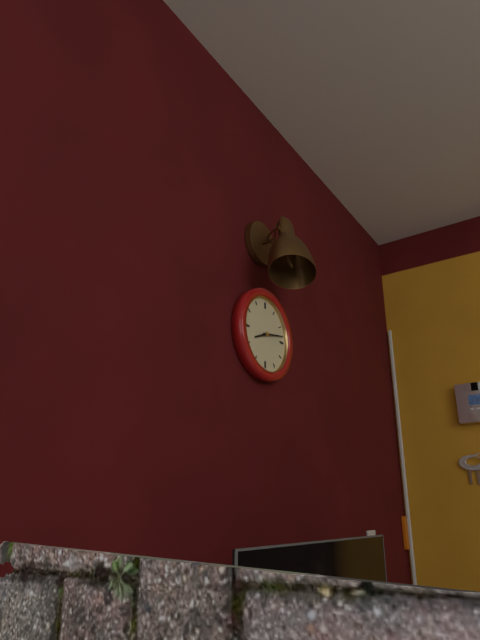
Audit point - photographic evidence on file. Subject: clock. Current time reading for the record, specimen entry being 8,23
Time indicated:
8,13
